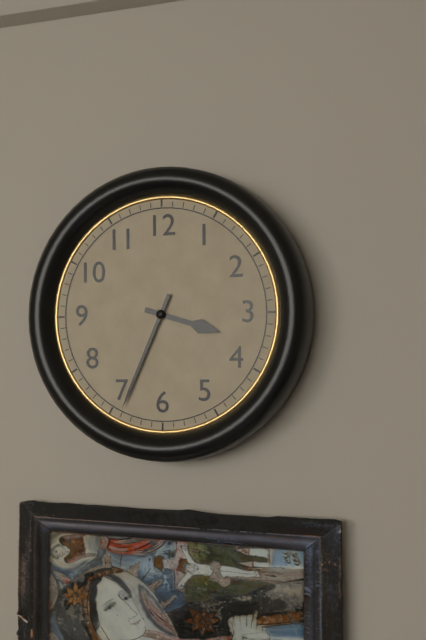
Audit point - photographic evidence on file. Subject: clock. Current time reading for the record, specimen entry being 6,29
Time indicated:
3,34
